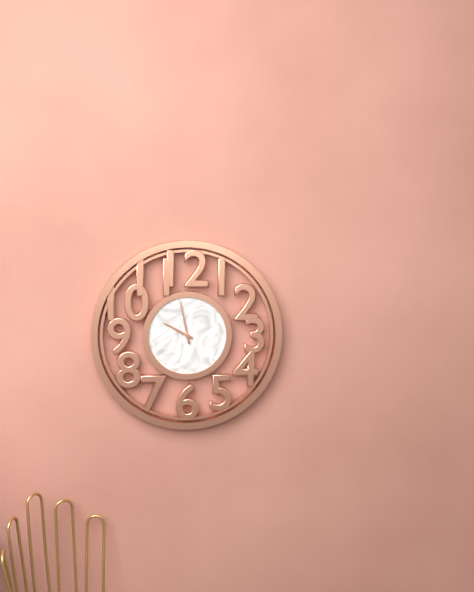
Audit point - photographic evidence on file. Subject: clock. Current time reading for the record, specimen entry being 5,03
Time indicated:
9,58
